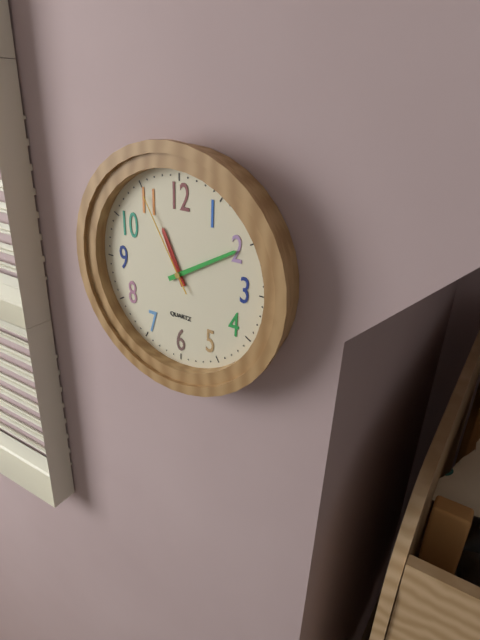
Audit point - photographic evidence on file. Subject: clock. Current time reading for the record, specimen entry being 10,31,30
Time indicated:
11,10,55
